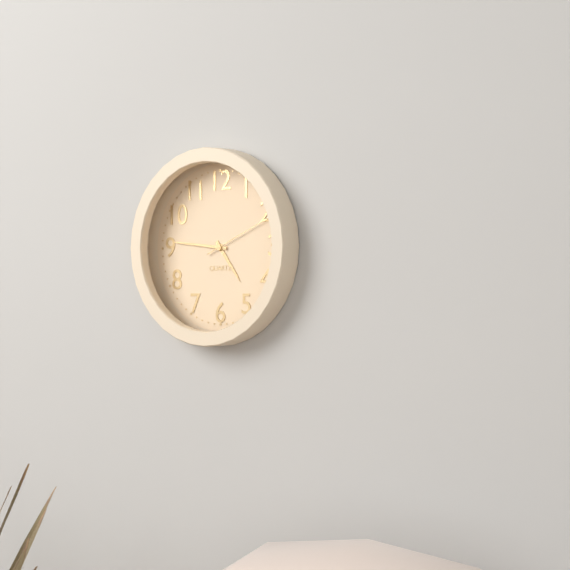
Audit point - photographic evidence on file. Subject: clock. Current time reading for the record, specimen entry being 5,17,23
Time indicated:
4,46,11
